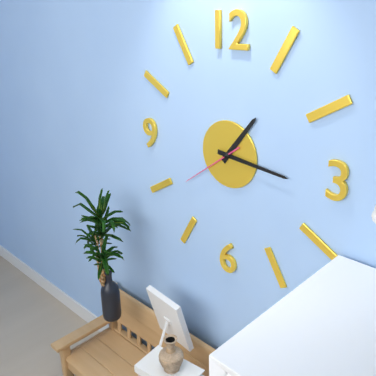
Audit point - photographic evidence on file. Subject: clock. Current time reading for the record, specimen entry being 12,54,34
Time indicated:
1,16,39
